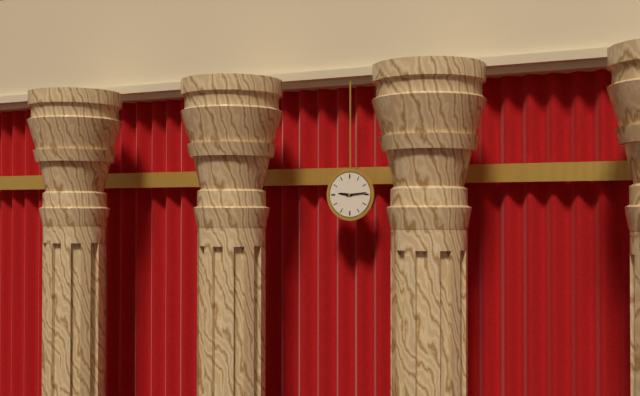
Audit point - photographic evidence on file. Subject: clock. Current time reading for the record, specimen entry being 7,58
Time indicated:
9,14
